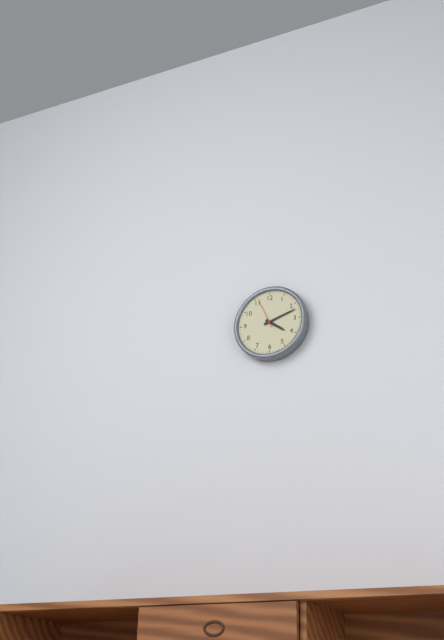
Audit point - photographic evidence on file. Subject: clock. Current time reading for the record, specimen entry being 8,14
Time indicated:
4,12
